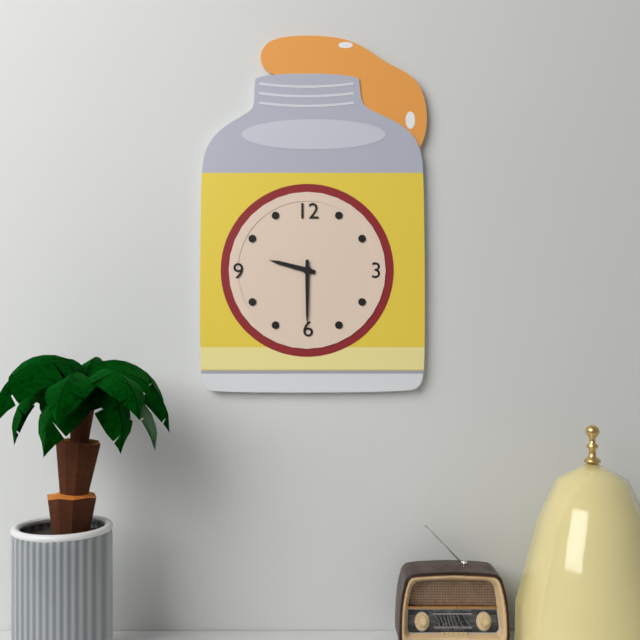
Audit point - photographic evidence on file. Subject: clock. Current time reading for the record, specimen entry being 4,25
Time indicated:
9,30
